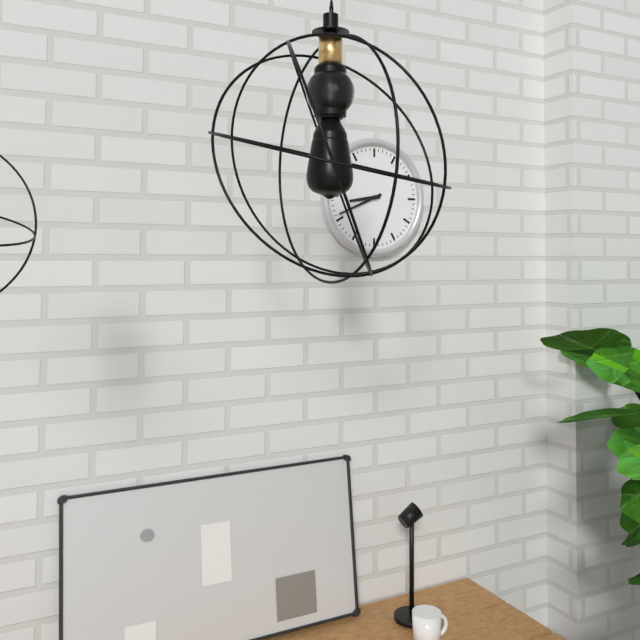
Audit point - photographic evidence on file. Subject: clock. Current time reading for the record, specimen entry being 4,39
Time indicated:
8,41
